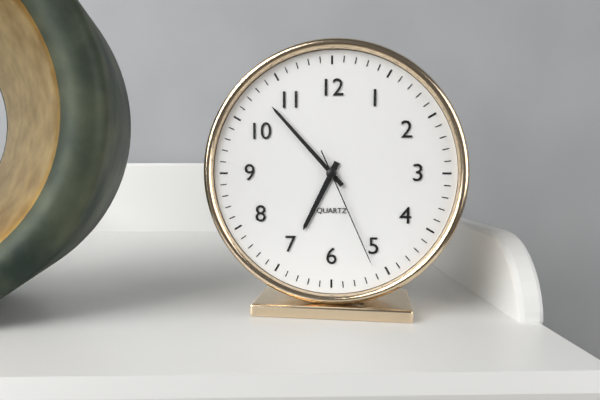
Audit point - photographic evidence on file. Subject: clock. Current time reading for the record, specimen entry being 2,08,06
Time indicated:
6,53,26
